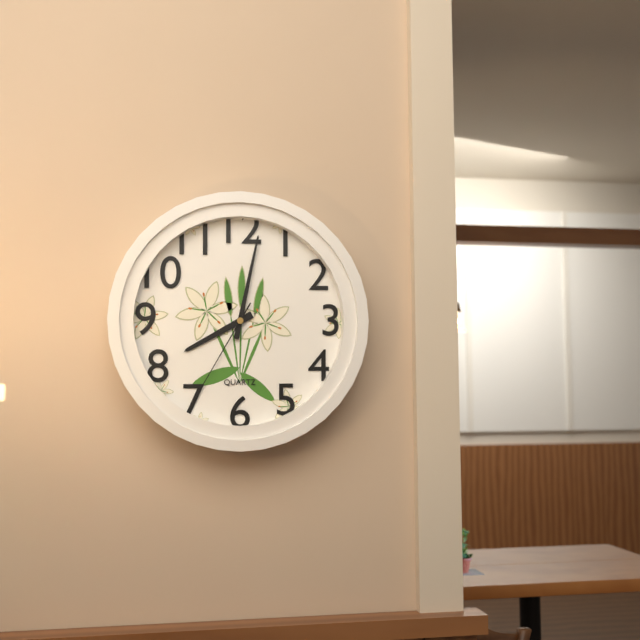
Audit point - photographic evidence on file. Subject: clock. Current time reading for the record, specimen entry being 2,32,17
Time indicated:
8,02,35
